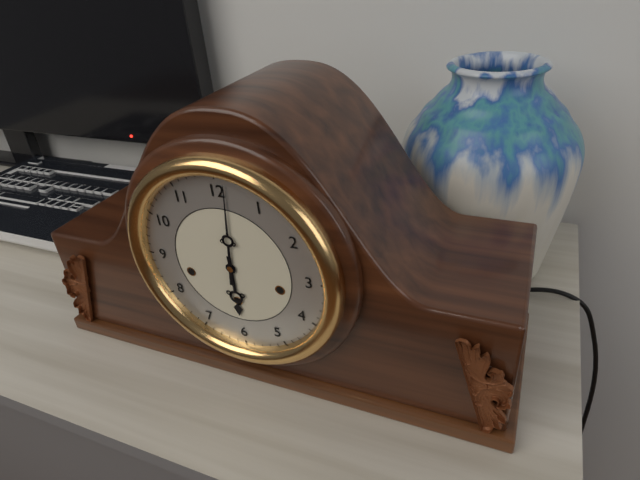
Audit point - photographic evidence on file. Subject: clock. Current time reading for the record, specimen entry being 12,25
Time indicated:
6,01
